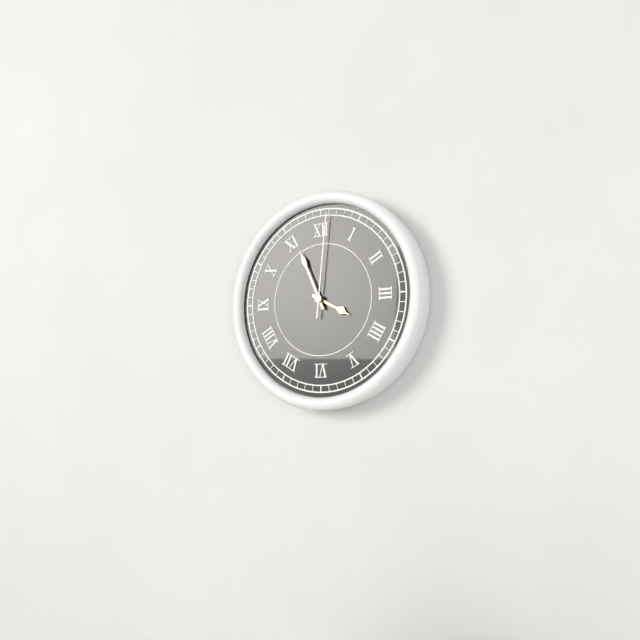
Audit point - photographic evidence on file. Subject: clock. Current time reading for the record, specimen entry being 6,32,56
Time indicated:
3,56,01
